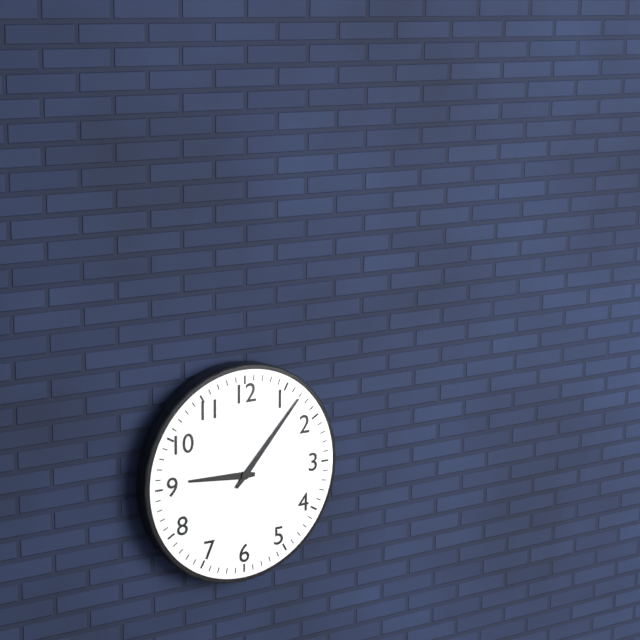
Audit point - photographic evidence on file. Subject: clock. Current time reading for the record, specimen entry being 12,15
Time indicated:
9,07
